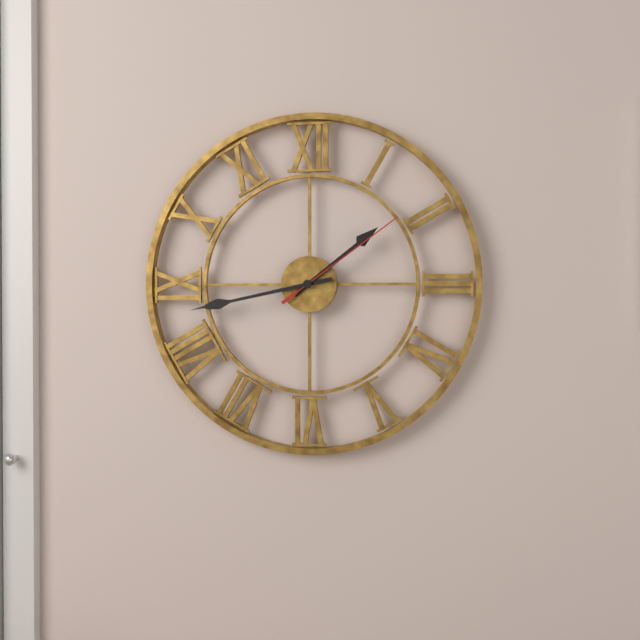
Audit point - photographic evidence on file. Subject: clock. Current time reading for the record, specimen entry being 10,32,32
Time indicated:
1,43,09
